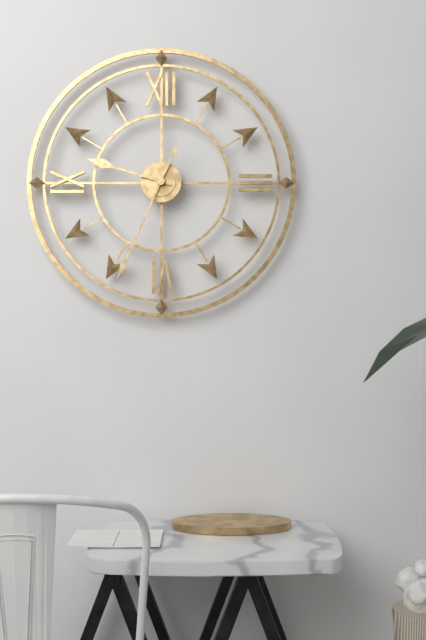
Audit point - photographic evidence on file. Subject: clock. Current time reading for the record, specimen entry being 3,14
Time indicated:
9,34
